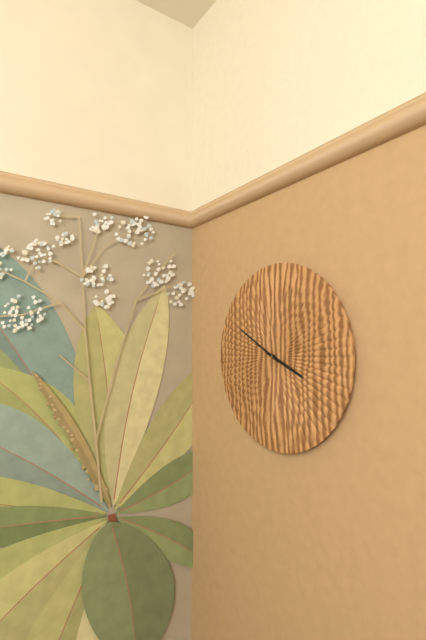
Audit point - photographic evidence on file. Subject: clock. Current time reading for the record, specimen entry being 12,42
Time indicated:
3,50
